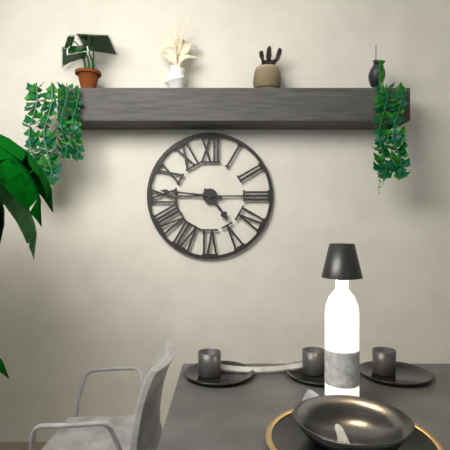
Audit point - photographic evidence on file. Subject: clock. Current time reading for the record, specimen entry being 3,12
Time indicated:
4,46
